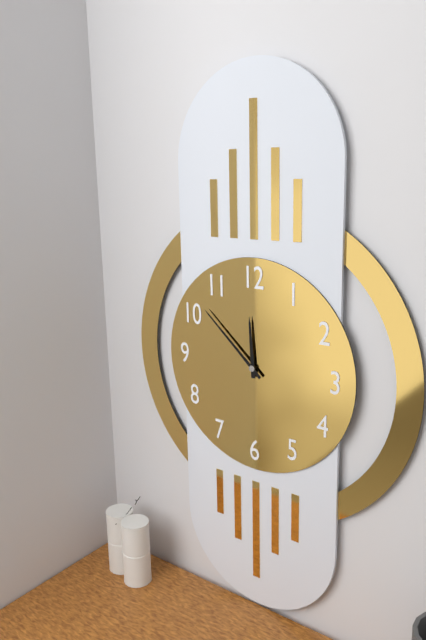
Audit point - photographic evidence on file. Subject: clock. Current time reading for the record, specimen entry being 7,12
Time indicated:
11,52
